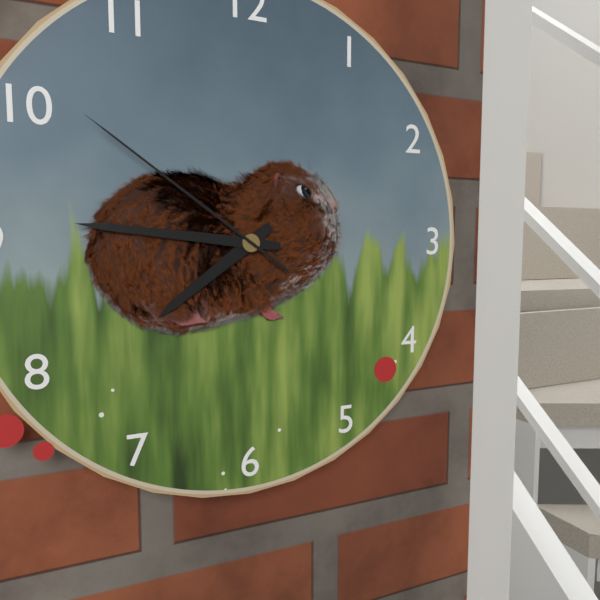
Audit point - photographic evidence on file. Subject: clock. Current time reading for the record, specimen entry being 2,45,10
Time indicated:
7,46,51
